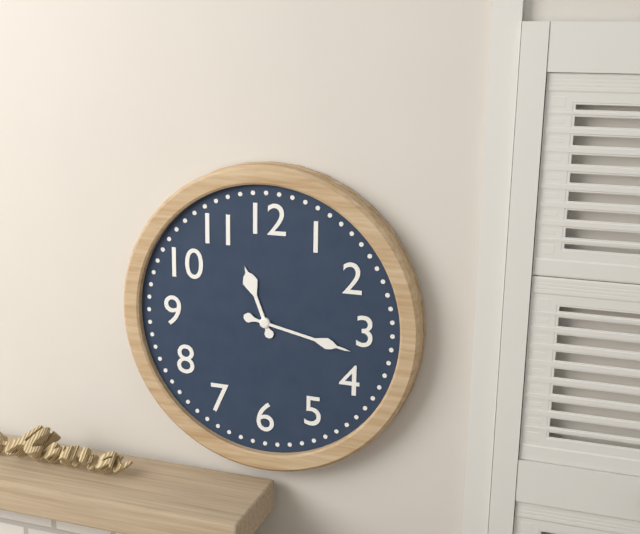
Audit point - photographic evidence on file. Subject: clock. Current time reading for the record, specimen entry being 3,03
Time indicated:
11,17
